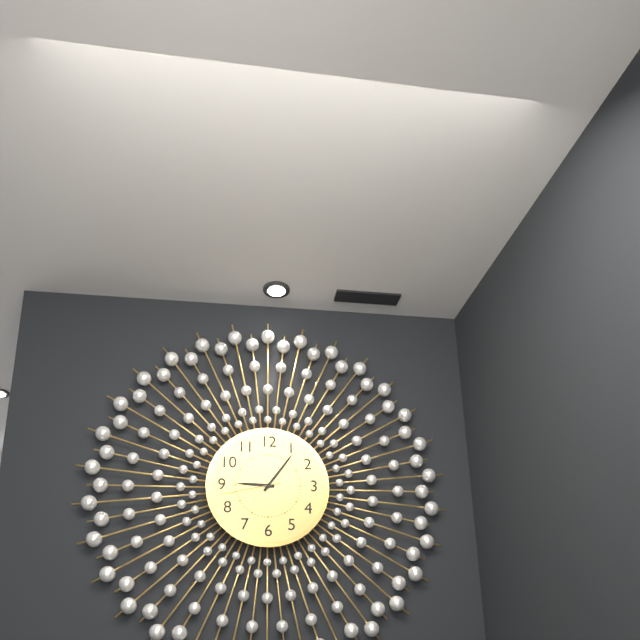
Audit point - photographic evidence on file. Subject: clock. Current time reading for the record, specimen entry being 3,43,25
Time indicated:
9,06,43
